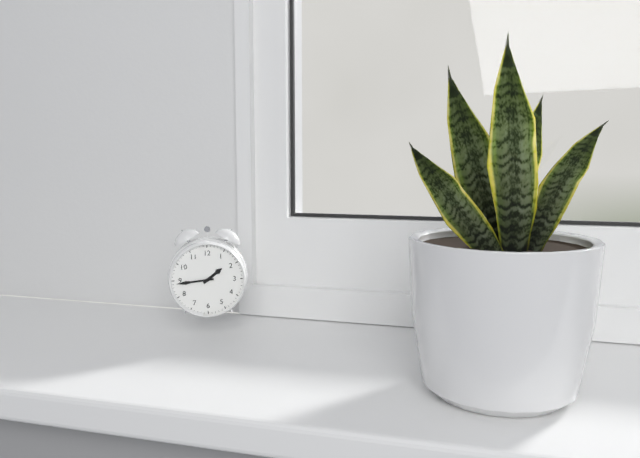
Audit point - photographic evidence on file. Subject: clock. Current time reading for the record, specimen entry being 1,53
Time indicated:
1,44
